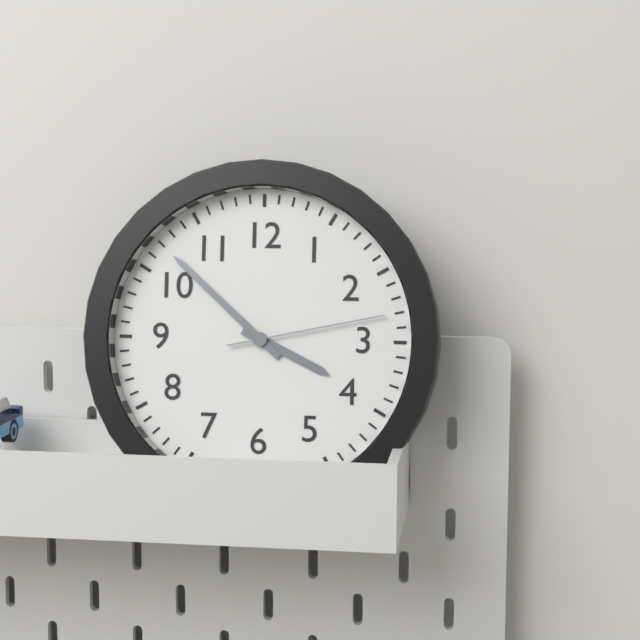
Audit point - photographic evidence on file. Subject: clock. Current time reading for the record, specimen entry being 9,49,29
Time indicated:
3,52,13
